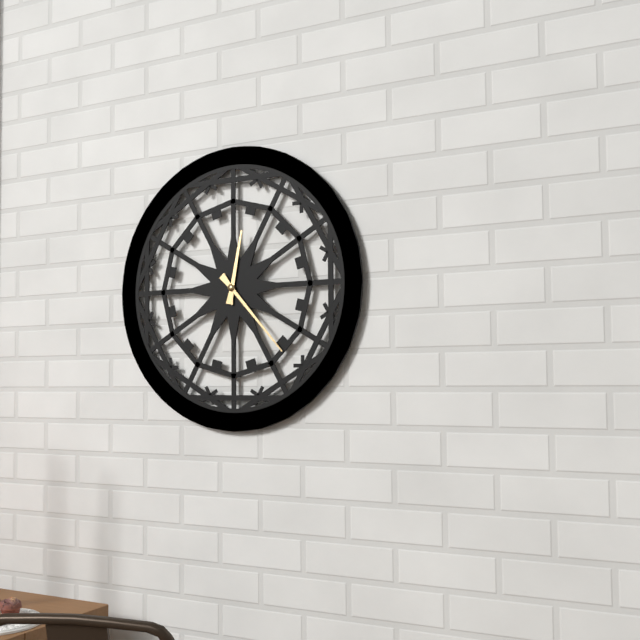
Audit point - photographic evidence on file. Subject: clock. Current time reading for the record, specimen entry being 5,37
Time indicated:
12,23
